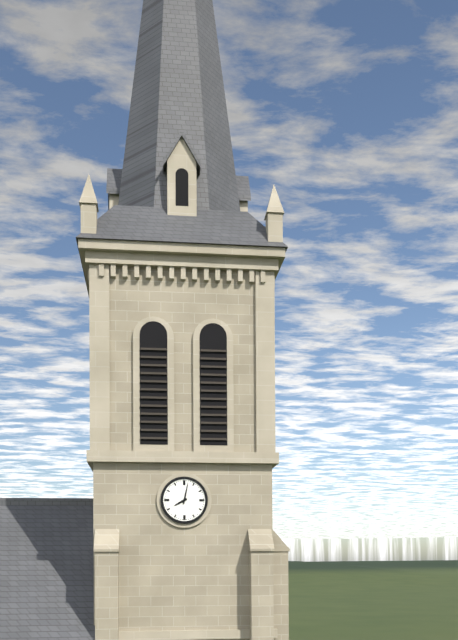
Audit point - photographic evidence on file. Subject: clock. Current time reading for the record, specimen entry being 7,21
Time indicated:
8,02
